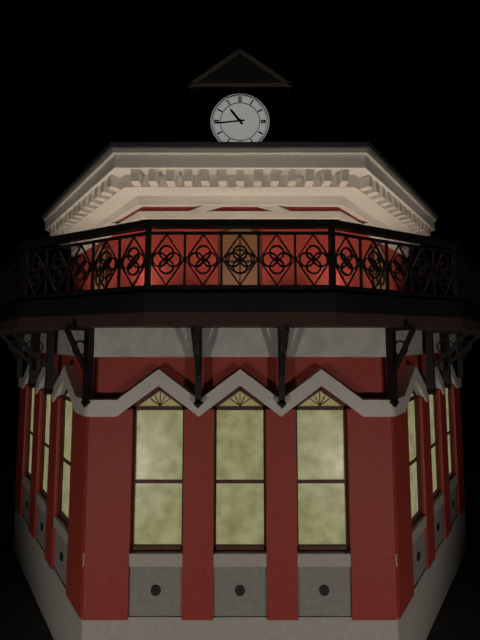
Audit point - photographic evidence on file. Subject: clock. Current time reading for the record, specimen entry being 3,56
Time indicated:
10,44
